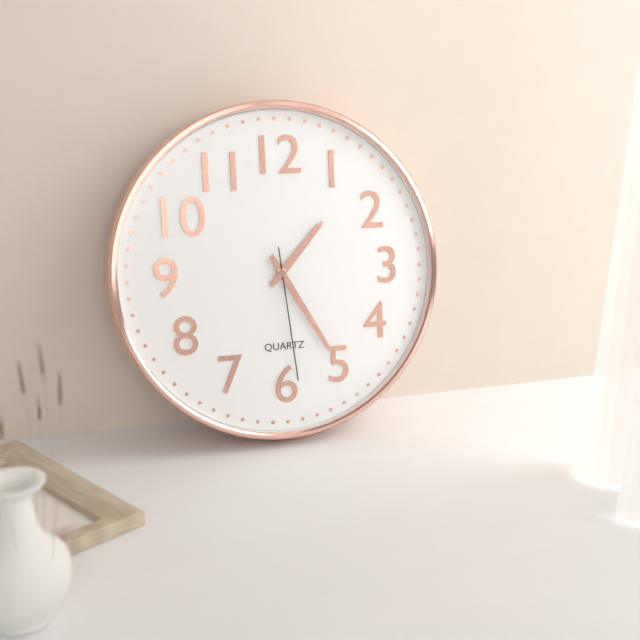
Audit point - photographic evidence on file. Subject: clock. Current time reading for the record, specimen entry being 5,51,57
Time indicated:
1,25,29
